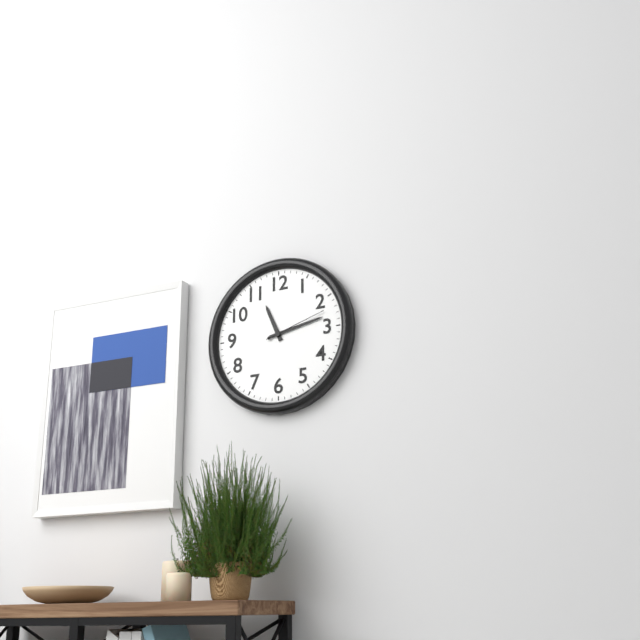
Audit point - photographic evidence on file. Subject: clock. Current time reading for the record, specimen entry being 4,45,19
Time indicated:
11,13,12
